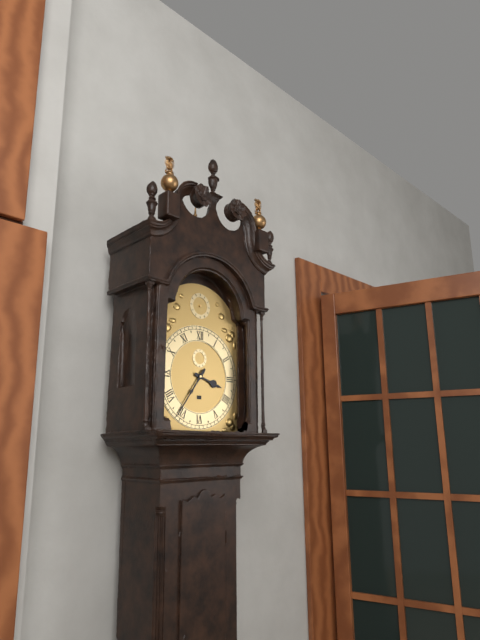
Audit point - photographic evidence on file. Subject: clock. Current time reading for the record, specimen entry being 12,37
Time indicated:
3,36
